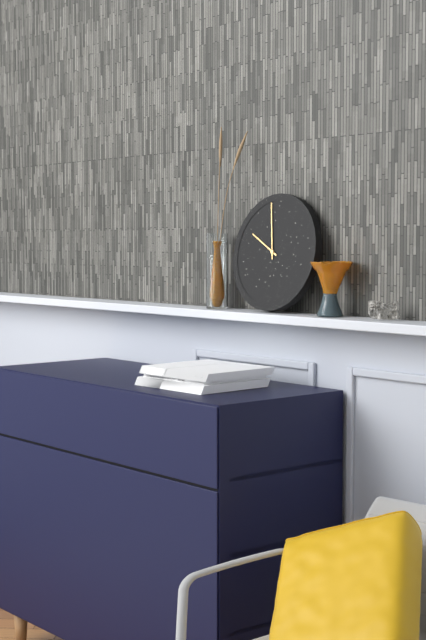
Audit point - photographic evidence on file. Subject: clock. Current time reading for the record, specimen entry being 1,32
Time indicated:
9,58
